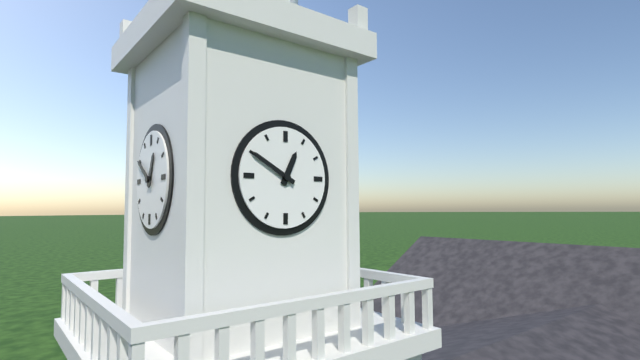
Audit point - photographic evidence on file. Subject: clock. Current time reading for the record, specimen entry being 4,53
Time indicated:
12,50
